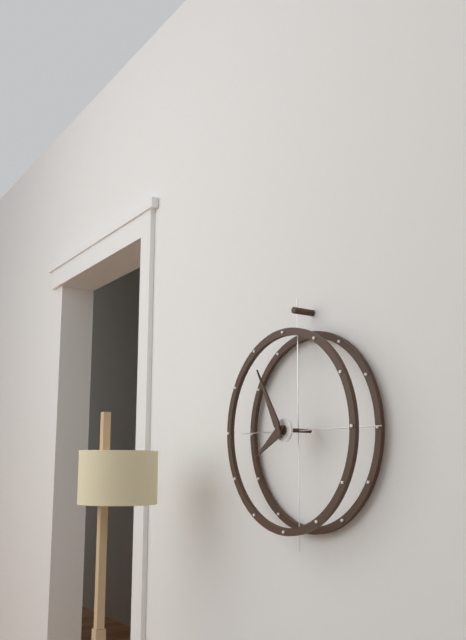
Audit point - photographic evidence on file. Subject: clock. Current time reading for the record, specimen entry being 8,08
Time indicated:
7,55
